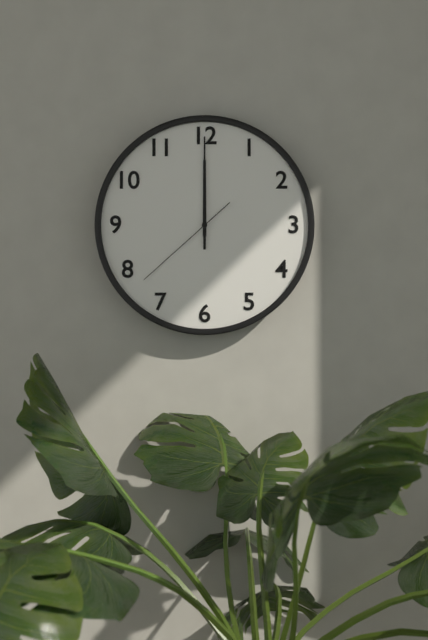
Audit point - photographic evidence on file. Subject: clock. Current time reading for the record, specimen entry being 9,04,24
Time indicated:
12,00,38
